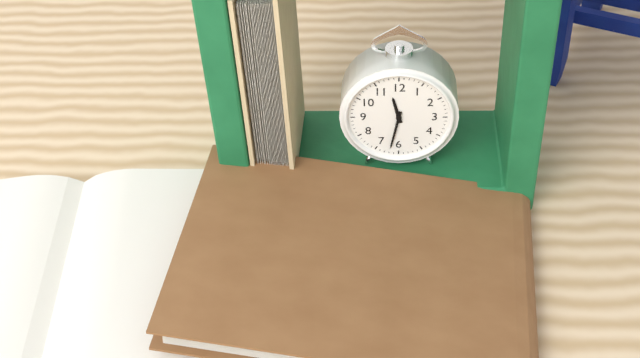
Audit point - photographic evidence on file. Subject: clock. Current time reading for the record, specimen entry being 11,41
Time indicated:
11,32
